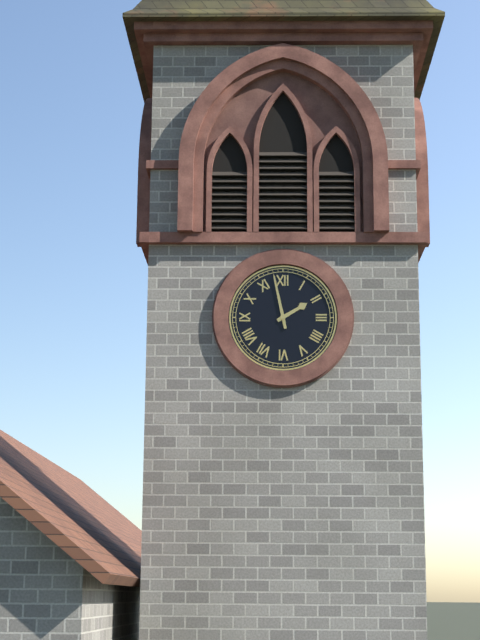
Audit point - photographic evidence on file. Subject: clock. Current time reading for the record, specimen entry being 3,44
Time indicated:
1,58
